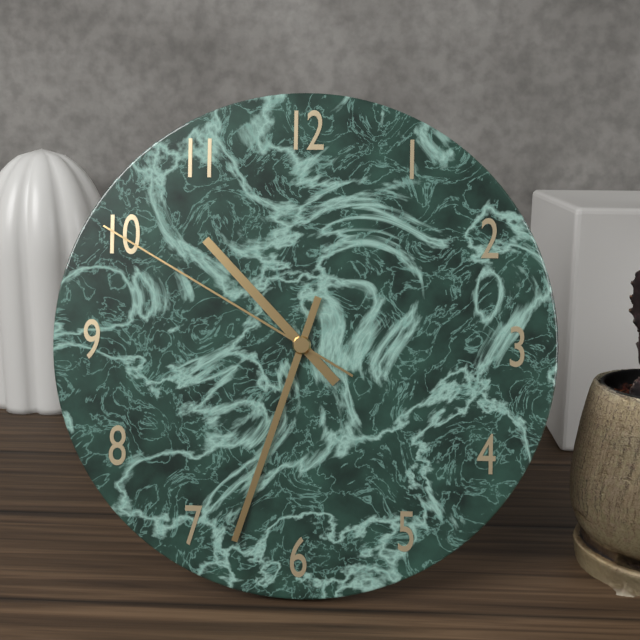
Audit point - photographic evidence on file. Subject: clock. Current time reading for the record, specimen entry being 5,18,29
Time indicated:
10,33,50
